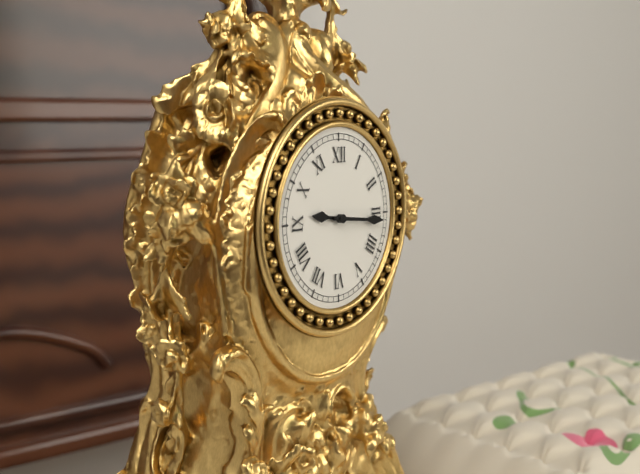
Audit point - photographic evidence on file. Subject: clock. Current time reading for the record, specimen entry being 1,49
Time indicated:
9,16
